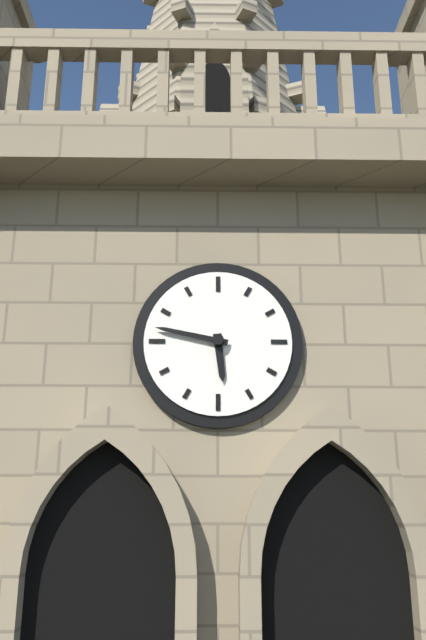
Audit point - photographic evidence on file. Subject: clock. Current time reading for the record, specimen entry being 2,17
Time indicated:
5,47
